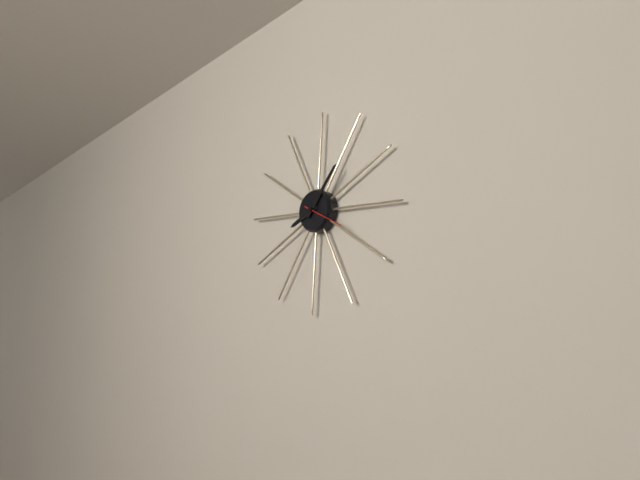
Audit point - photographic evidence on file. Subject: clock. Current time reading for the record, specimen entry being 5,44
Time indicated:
8,06
